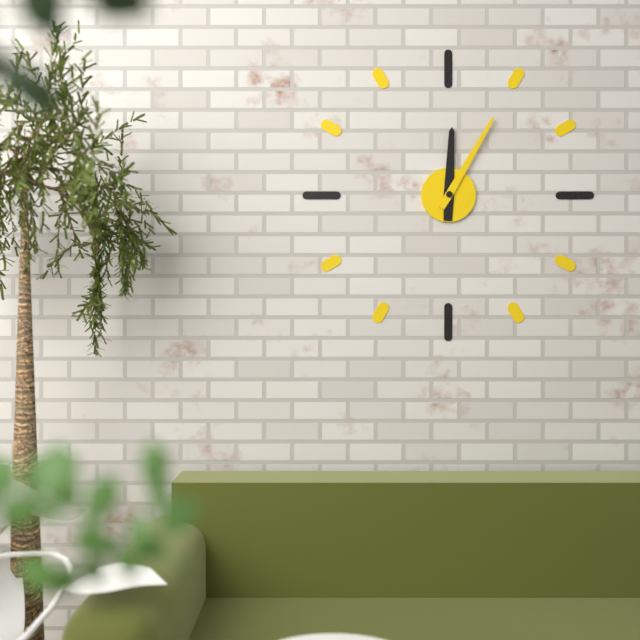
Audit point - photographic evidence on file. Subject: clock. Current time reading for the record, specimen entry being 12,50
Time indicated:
12,05
